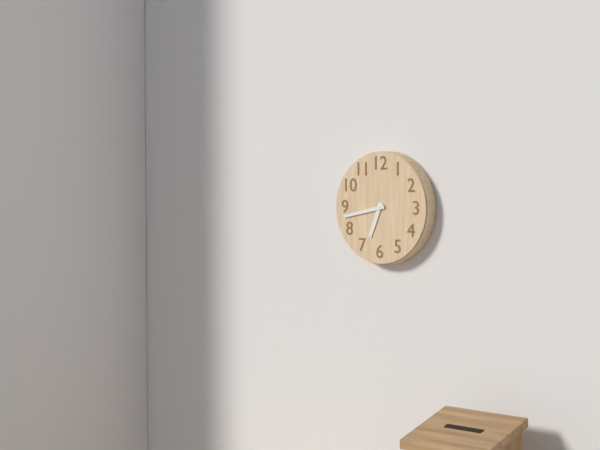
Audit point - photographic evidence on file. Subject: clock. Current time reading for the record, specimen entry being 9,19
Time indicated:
6,43
